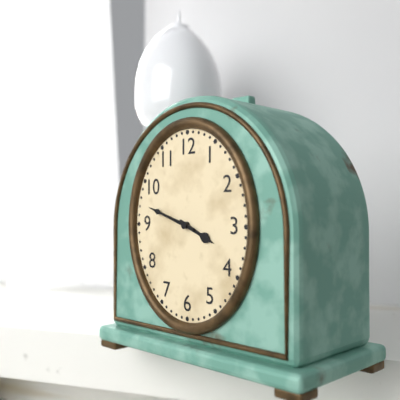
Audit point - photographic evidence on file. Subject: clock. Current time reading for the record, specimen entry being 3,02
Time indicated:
3,48
